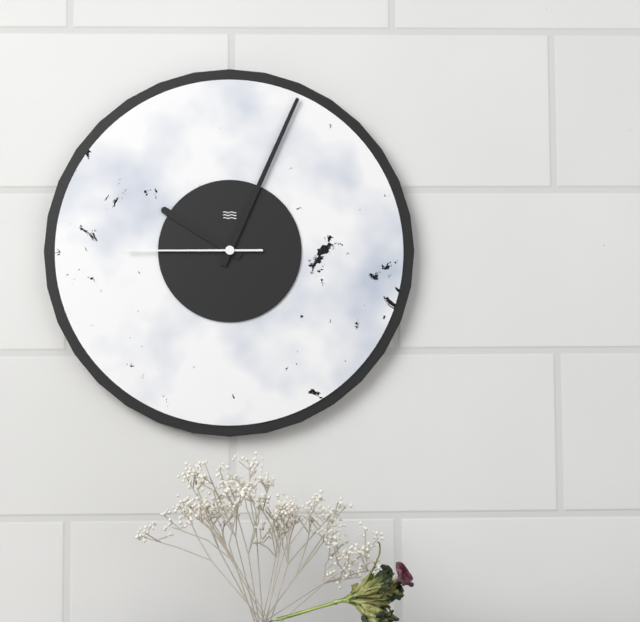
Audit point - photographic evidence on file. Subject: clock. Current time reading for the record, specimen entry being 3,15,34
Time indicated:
10,04,45
